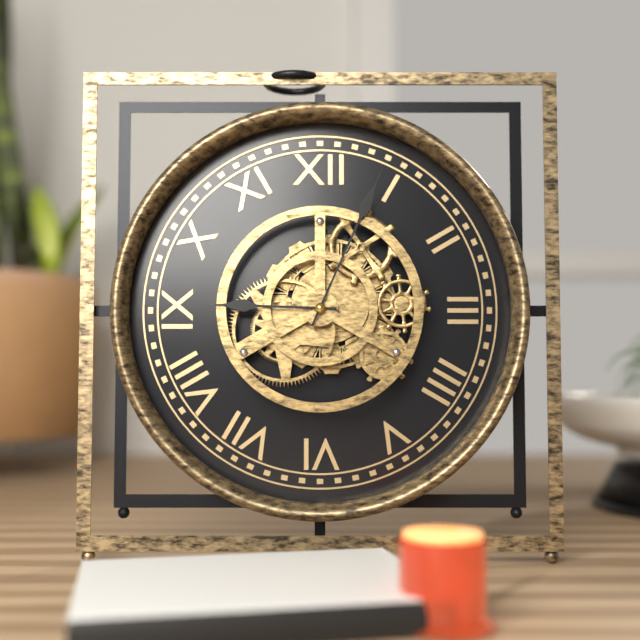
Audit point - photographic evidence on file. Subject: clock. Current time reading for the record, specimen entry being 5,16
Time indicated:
9,04
